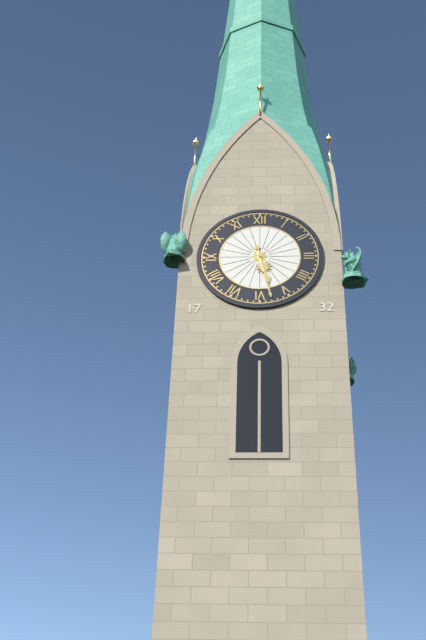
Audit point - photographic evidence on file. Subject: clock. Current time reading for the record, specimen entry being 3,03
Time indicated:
5,28
